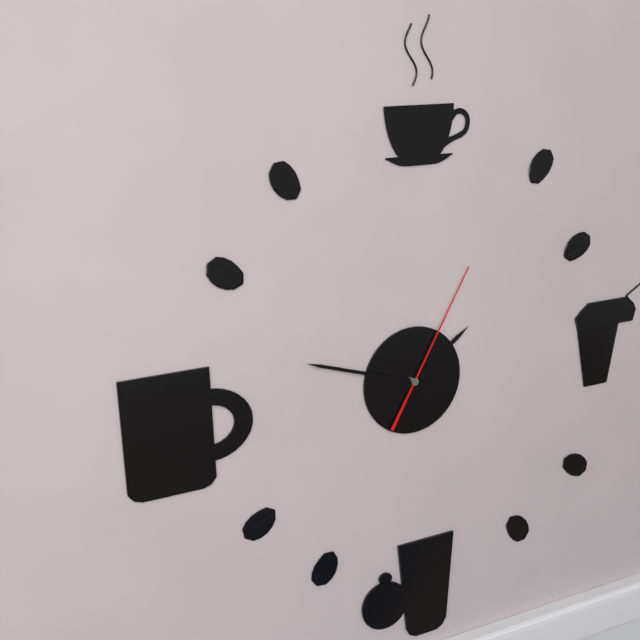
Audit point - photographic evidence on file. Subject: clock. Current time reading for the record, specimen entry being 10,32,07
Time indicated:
1,48,05
